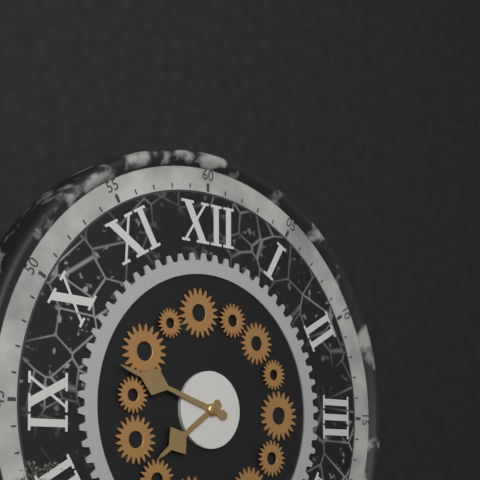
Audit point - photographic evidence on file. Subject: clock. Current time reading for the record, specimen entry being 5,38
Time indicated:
7,48
